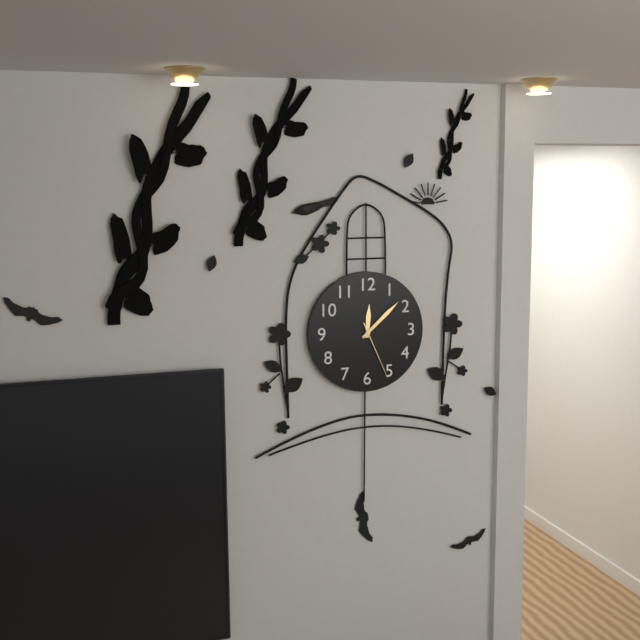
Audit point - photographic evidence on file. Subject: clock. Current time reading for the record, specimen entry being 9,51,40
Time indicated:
12,08,26
